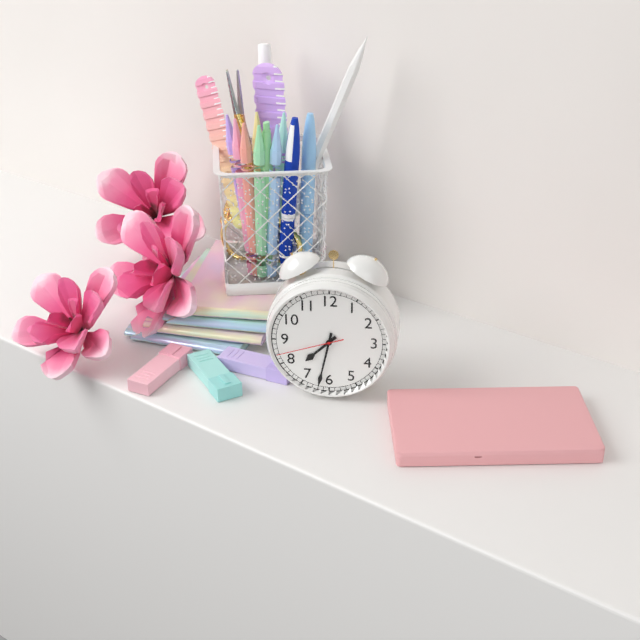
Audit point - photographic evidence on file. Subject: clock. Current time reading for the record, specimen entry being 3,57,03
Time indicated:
7,32,42
